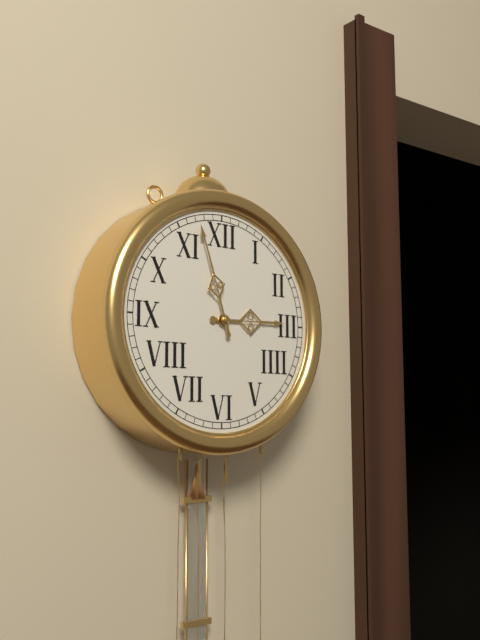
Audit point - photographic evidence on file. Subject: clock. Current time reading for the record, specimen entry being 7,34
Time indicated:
2,57
